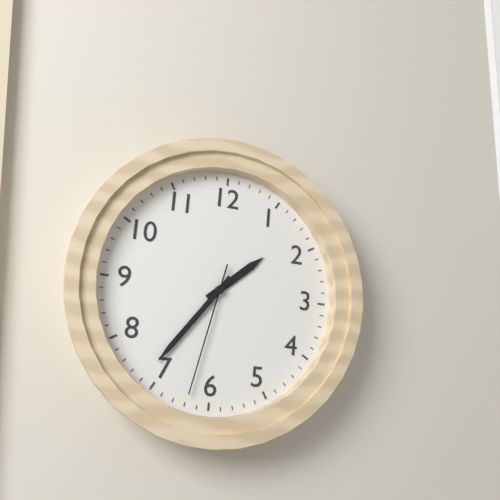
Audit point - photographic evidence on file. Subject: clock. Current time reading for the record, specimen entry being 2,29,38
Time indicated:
1,36,32
